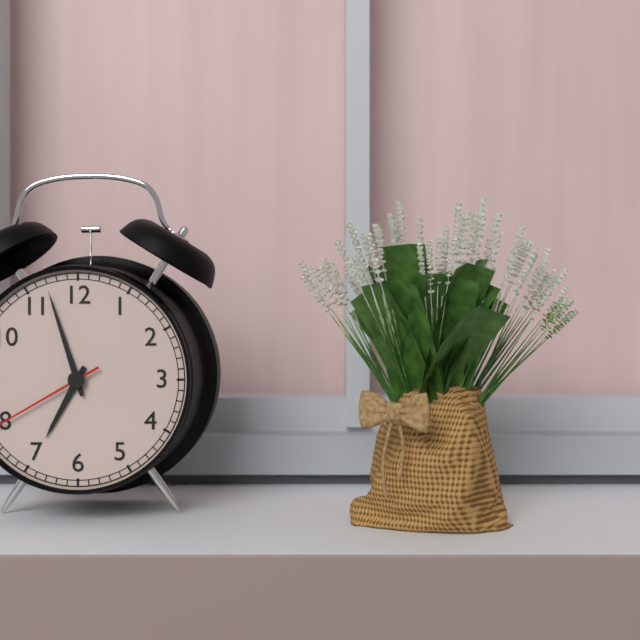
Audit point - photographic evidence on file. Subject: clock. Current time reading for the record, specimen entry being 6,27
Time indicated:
6,57
